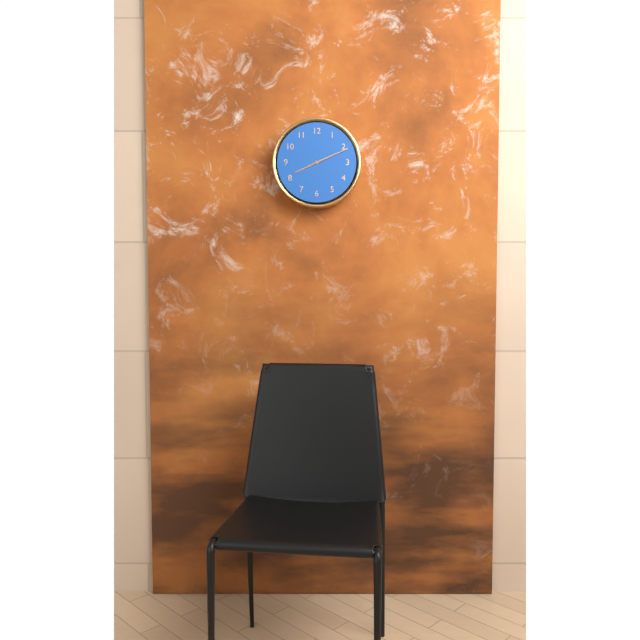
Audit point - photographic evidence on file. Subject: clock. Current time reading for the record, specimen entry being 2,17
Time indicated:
8,11
